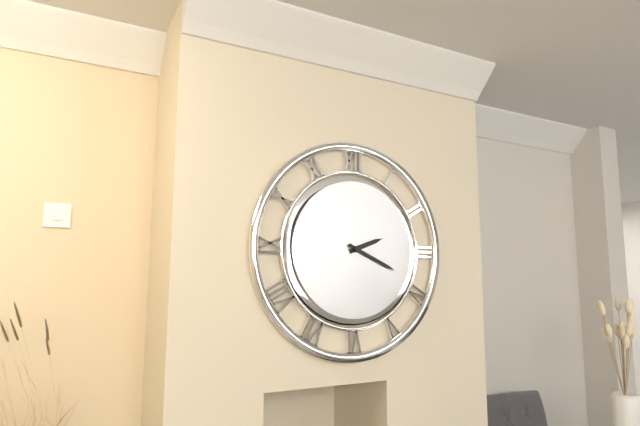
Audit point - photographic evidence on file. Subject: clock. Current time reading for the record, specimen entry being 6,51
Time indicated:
2,19
